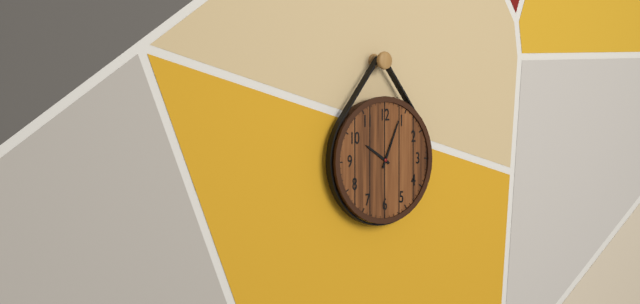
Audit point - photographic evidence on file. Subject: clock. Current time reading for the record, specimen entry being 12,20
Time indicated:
10,04
